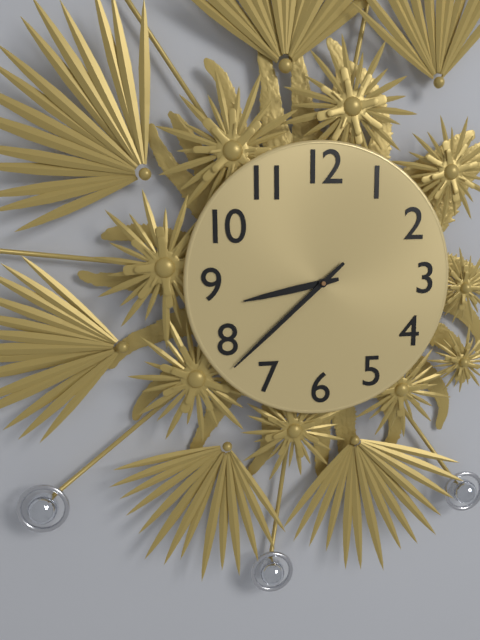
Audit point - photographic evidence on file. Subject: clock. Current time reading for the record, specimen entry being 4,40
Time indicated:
8,38
